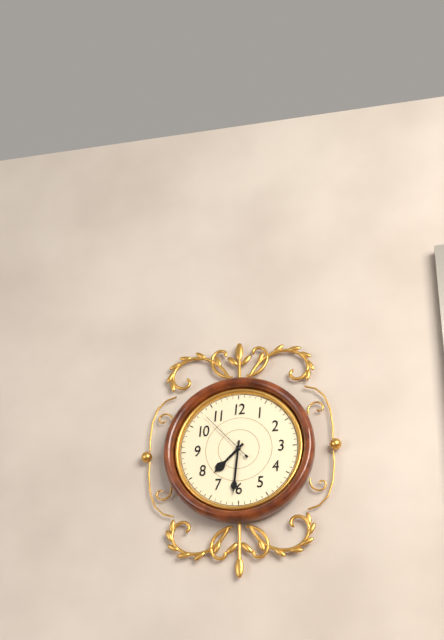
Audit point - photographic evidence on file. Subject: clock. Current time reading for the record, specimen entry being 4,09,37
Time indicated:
7,31,53
